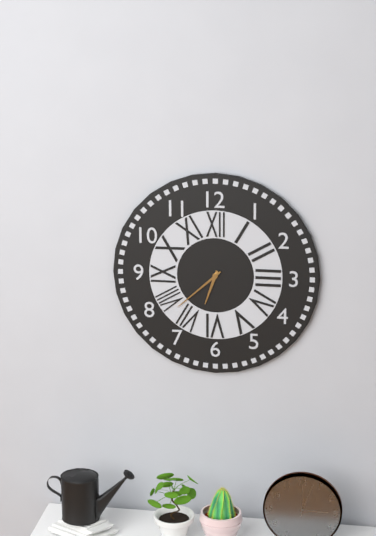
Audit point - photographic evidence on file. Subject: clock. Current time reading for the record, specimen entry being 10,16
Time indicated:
6,38
